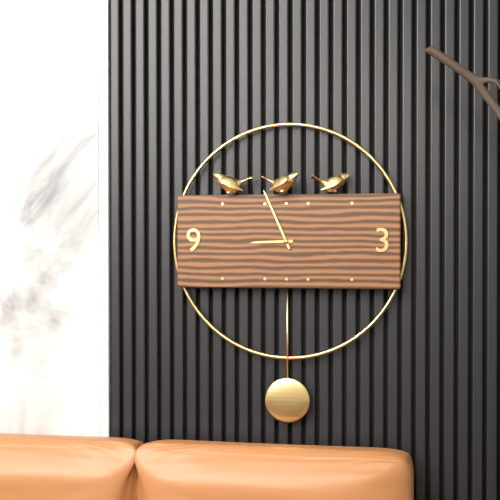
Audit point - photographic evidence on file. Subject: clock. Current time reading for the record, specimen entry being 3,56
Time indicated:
8,56
